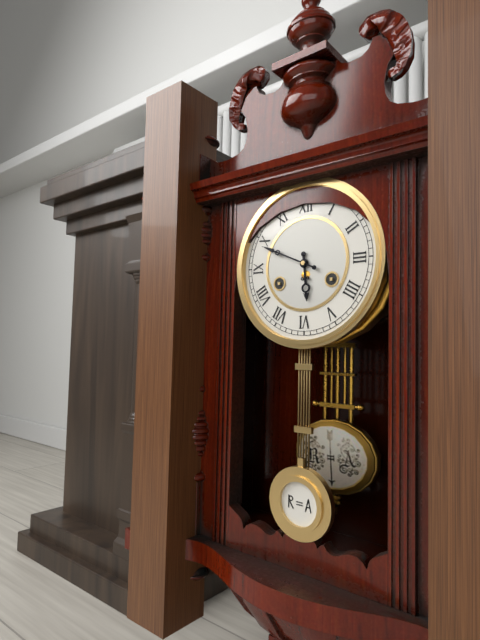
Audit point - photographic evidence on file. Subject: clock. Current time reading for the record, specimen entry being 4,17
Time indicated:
5,49
